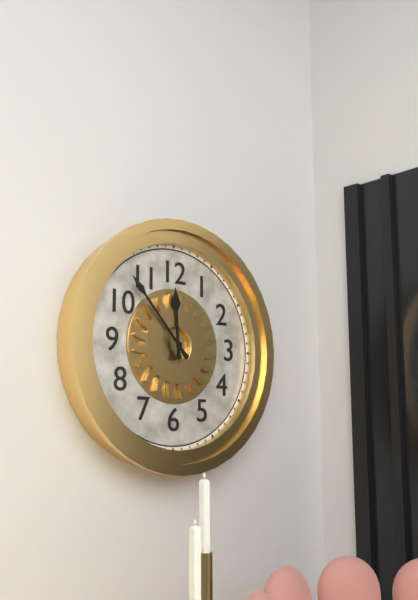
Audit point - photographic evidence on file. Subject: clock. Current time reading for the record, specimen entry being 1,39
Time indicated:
11,53
